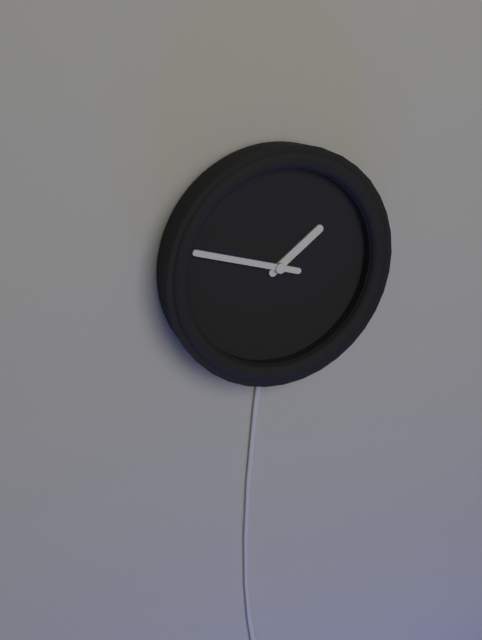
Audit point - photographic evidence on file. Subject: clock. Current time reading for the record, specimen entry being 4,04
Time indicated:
1,48
